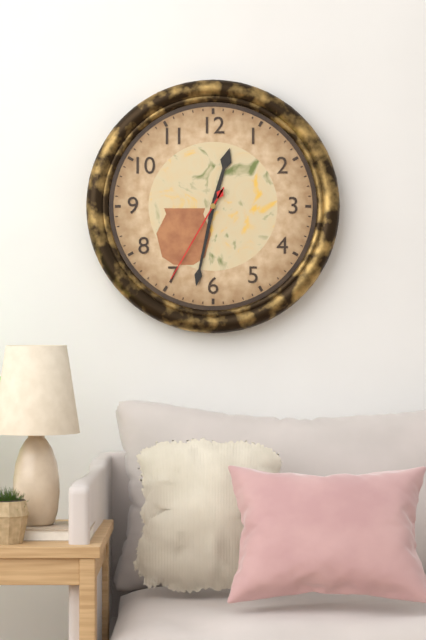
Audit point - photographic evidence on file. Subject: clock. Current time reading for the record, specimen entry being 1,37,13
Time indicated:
12,32,35
